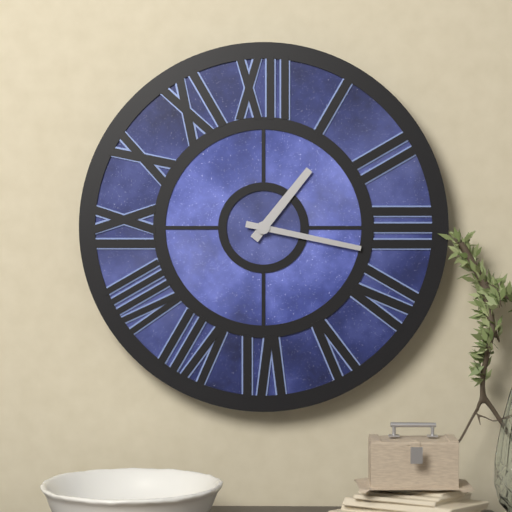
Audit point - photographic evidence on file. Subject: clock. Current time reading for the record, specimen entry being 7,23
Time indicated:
1,17
